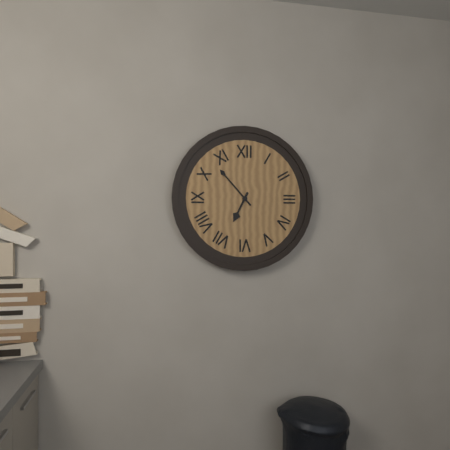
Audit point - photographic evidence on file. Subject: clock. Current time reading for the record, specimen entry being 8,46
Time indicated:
6,53
